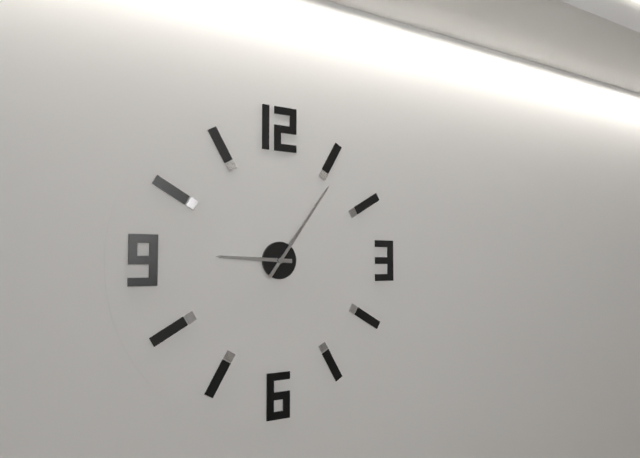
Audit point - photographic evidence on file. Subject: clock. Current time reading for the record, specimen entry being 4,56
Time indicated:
9,06
